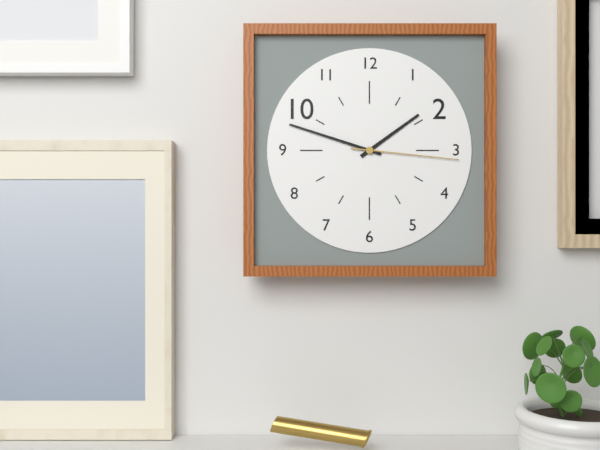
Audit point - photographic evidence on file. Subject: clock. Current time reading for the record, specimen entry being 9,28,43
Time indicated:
1,48,16
